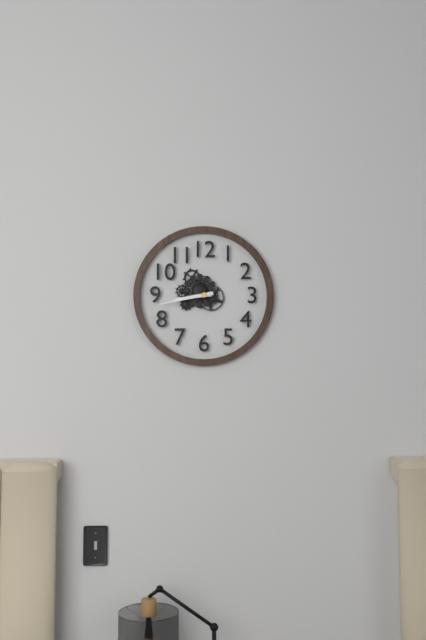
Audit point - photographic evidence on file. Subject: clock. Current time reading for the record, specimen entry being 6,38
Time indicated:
8,43
